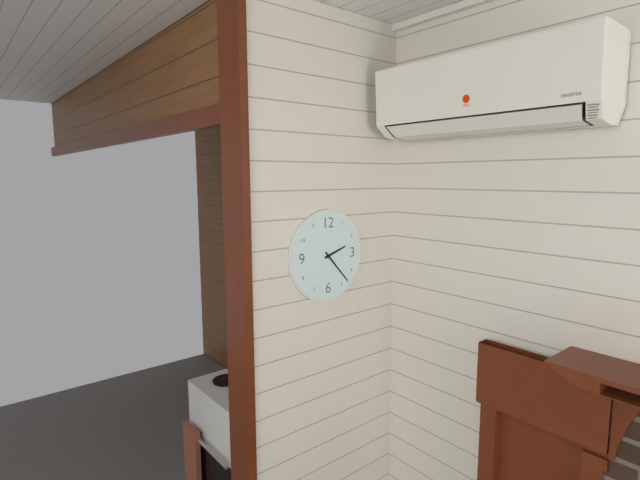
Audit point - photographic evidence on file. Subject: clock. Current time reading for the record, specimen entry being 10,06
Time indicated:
2,23
